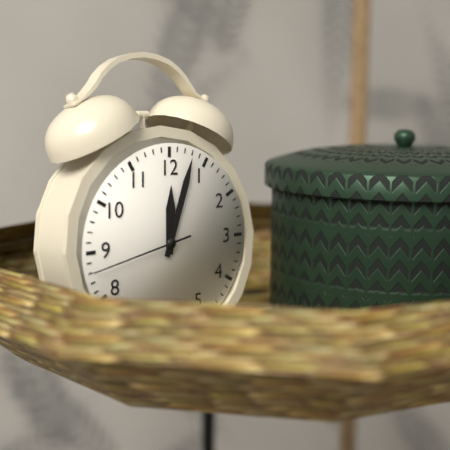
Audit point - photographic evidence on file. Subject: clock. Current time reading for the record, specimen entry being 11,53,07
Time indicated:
12,03,43
